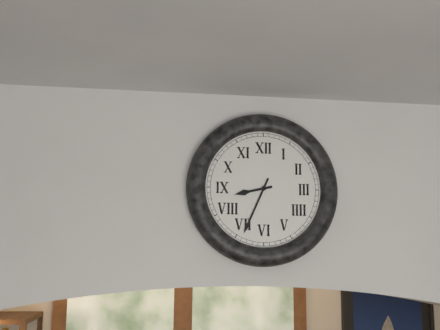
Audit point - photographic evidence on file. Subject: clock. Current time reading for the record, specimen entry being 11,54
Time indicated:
8,34
